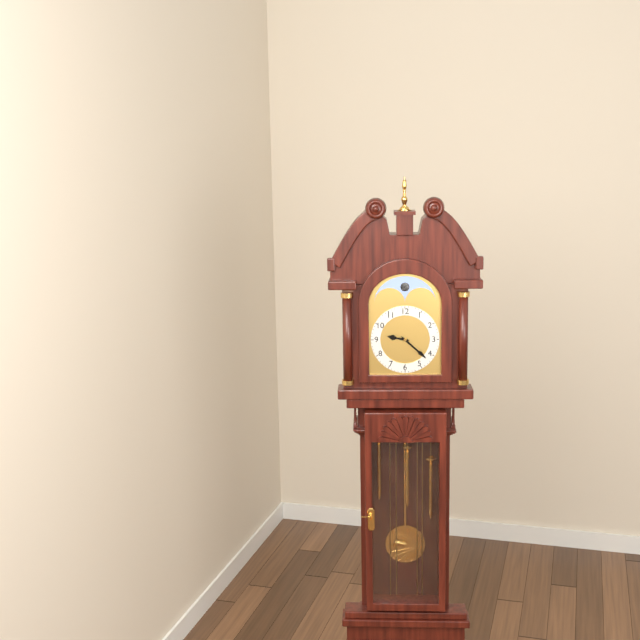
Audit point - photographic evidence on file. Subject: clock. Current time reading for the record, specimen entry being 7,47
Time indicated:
9,22
